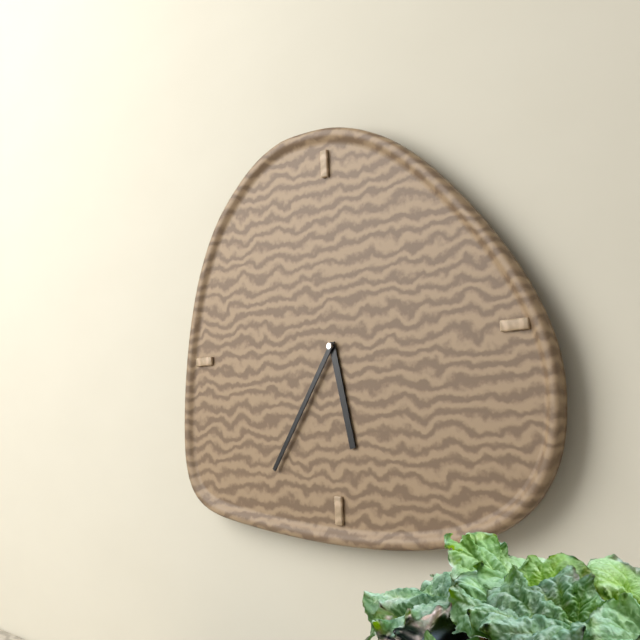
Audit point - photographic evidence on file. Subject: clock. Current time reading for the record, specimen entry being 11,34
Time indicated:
5,36
